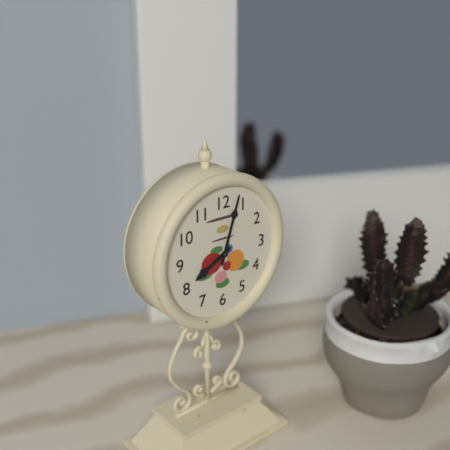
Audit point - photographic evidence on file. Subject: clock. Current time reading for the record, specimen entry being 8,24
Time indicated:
8,03
